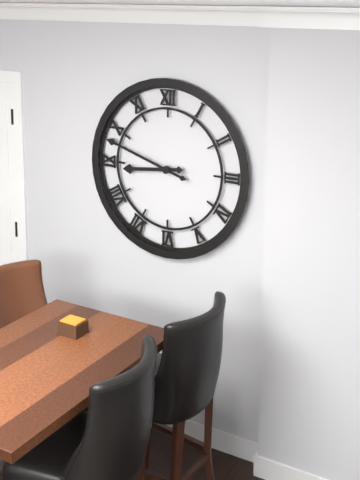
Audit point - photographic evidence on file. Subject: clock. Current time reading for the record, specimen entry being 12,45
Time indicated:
8,48
